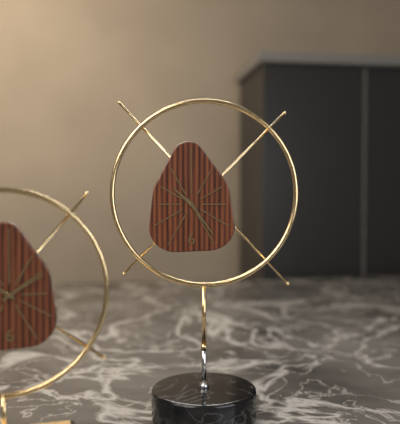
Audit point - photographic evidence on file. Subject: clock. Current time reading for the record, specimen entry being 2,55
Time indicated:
10,24
